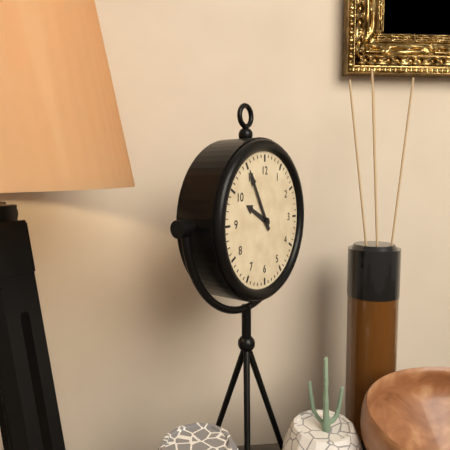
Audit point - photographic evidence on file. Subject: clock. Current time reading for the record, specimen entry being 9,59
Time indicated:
9,55
